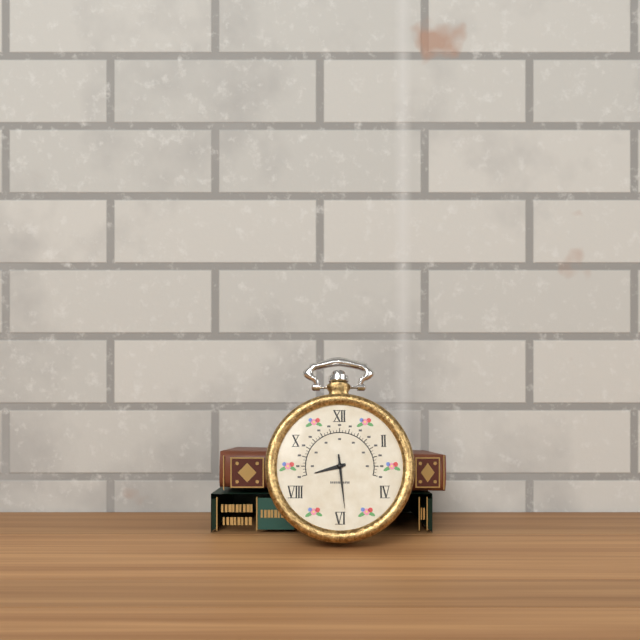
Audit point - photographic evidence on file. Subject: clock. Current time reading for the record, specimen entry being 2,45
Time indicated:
8,29
